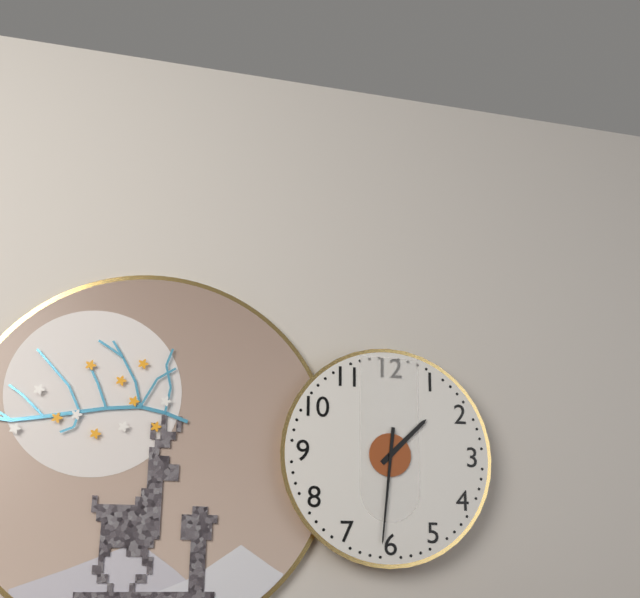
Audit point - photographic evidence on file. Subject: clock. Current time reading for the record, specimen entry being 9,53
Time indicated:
1,31
